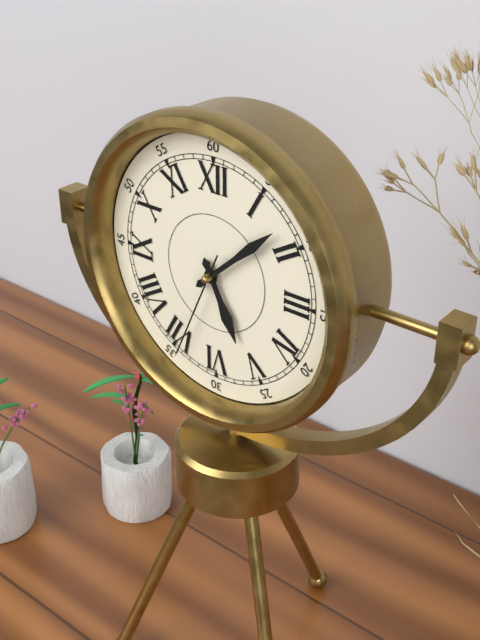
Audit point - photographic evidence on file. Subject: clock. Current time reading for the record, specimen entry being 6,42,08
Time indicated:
5,08,34
